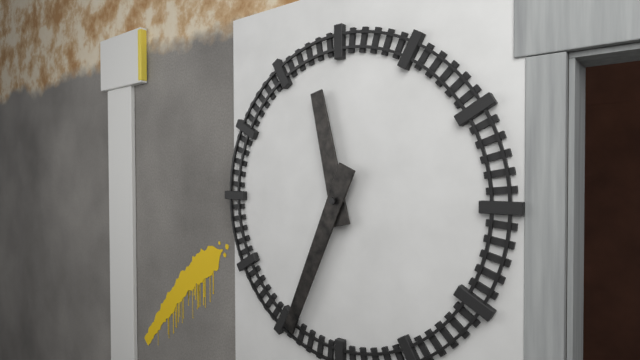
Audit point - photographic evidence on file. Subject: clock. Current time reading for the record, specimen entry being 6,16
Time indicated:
11,34
